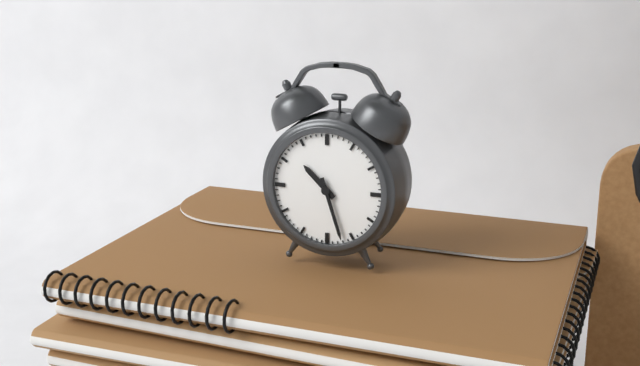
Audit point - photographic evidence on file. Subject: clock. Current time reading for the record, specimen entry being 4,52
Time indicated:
10,27
